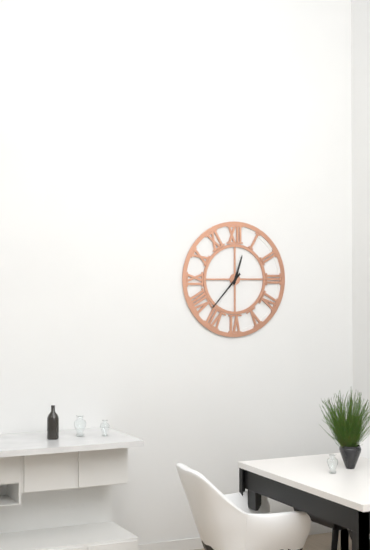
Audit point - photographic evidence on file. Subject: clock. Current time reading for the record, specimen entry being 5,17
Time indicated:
12,37
